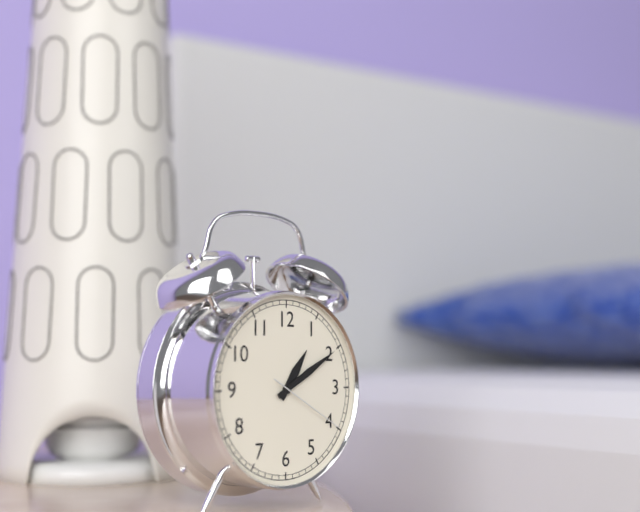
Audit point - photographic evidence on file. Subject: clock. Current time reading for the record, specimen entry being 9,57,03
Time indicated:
1,10,20
